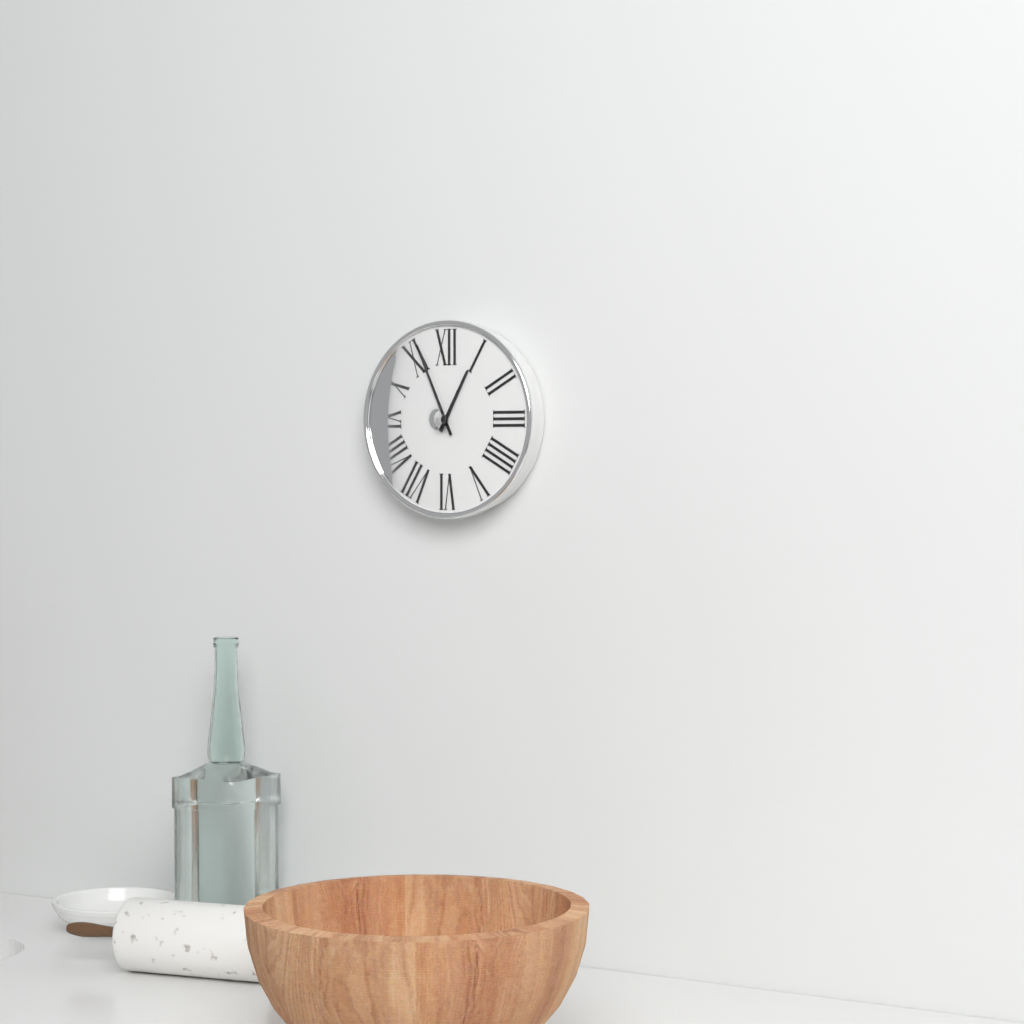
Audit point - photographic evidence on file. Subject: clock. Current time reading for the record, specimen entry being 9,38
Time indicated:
12,56
